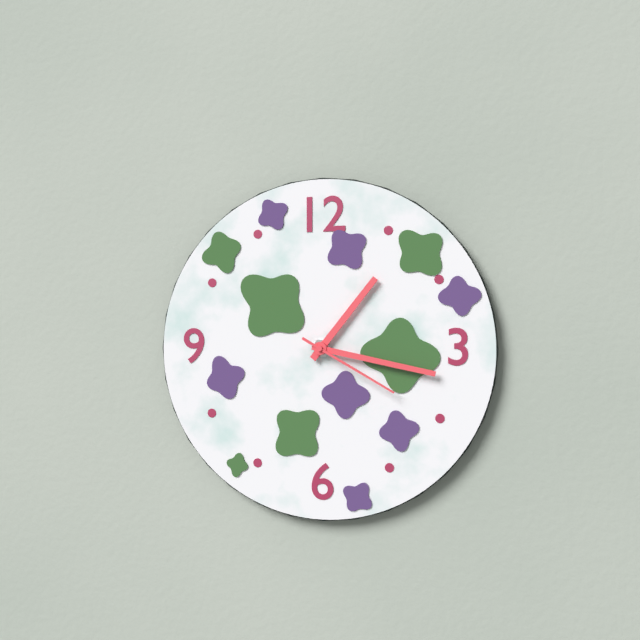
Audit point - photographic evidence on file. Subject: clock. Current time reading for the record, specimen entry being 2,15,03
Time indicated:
1,17,20
